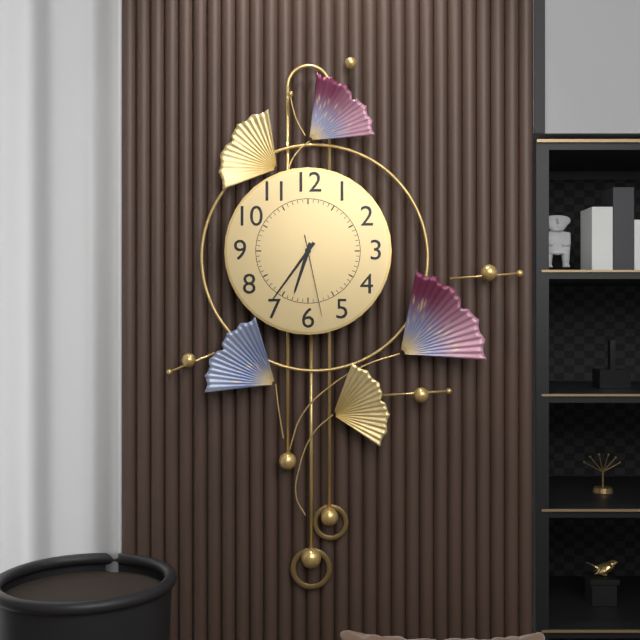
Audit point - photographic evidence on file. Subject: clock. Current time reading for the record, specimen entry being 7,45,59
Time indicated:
6,36,28
